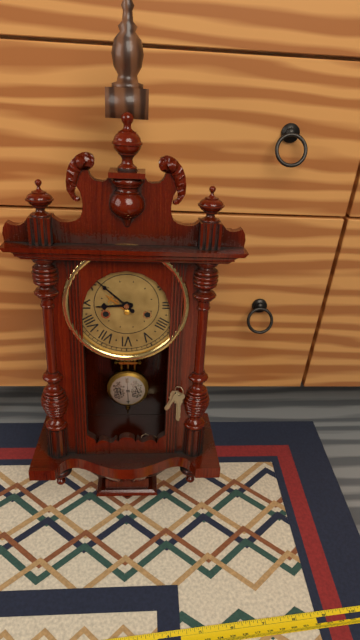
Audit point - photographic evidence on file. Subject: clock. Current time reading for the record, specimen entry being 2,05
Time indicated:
8,52
